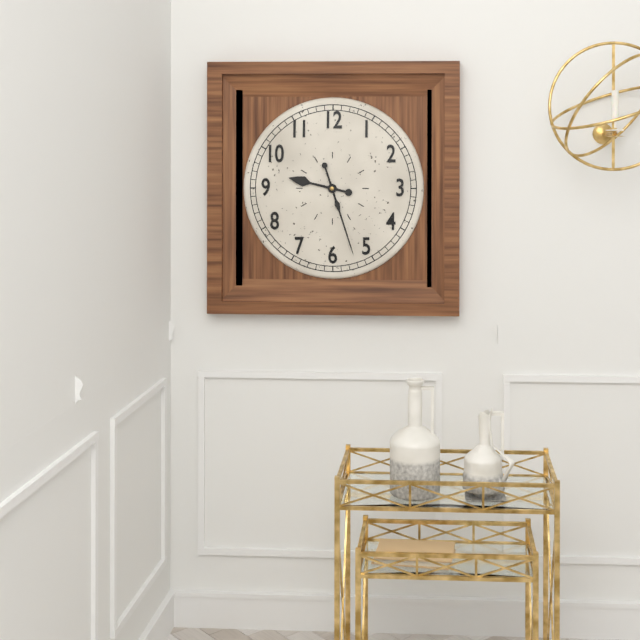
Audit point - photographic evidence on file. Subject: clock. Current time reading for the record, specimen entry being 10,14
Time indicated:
9,27
